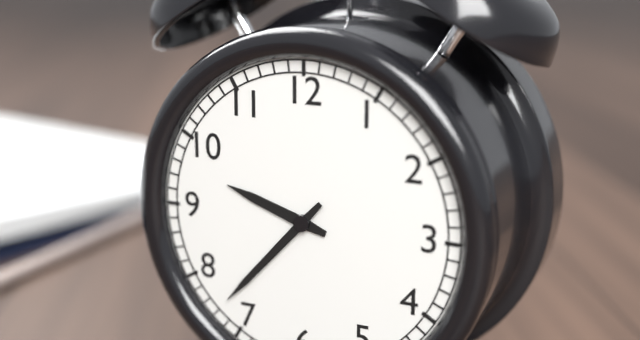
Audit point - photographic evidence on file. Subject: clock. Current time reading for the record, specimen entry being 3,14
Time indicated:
9,37
